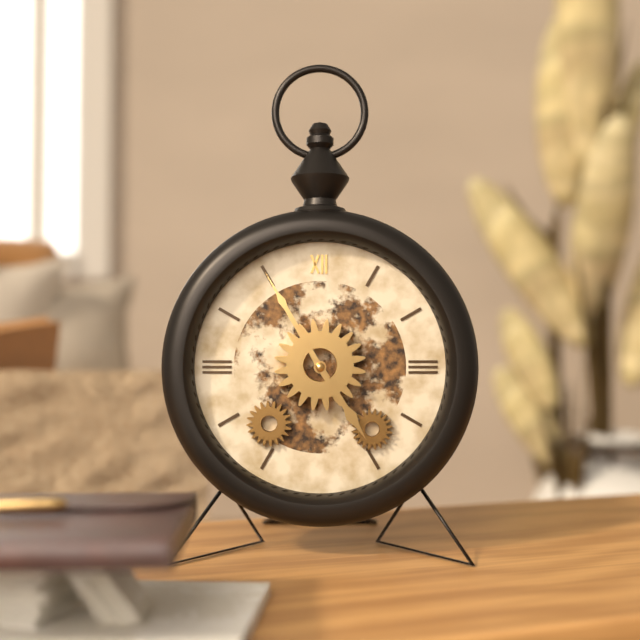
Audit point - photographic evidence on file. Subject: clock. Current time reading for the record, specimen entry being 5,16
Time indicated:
4,55
